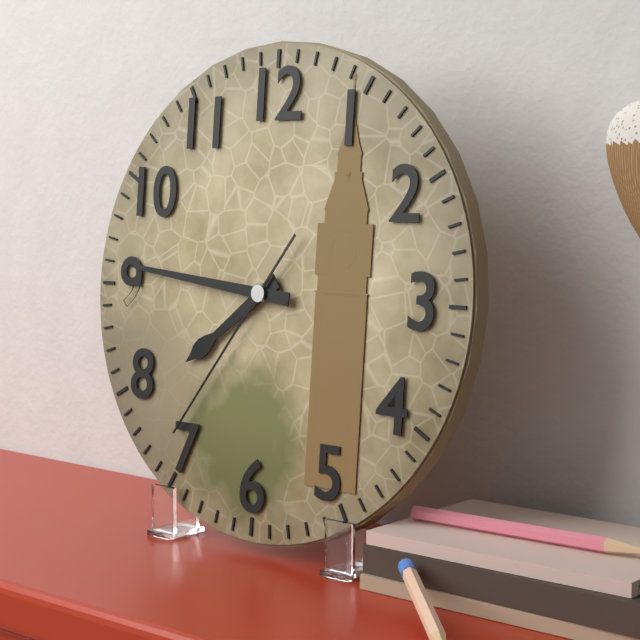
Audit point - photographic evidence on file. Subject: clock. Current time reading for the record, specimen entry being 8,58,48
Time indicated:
7,46,36
